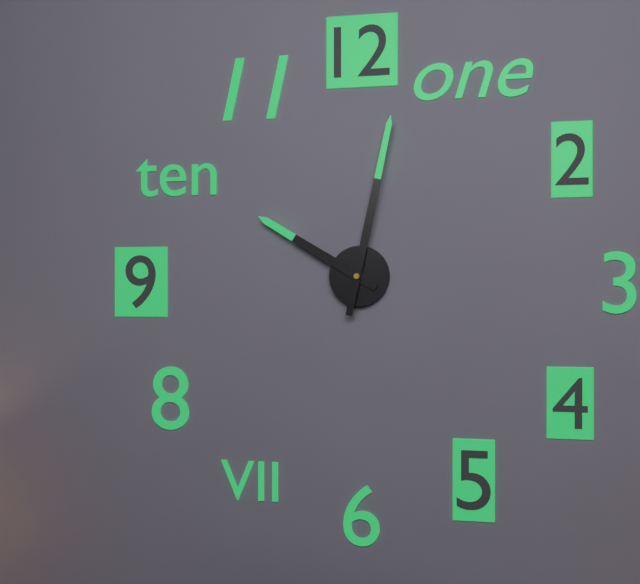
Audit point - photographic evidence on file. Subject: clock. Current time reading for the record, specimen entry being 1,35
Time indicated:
10,02
